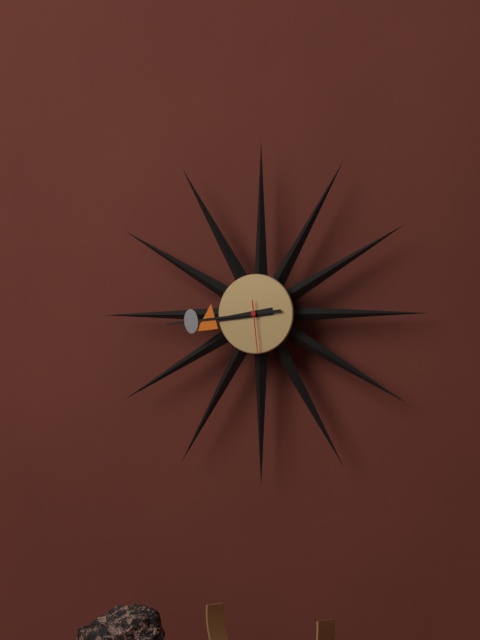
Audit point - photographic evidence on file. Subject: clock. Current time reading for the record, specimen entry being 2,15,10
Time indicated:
8,44,29
